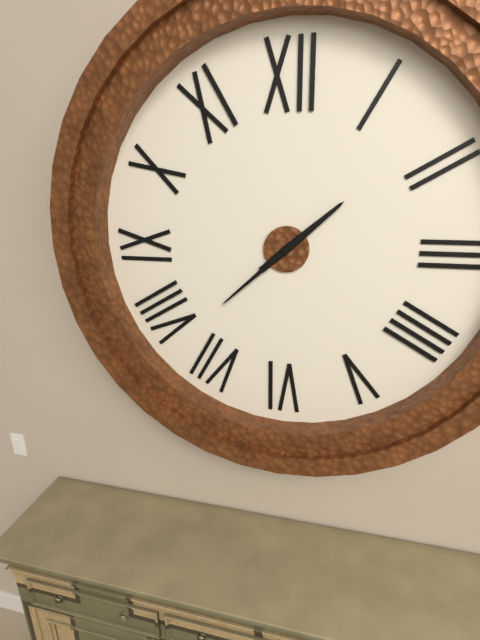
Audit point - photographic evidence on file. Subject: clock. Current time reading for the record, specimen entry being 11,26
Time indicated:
1,38
